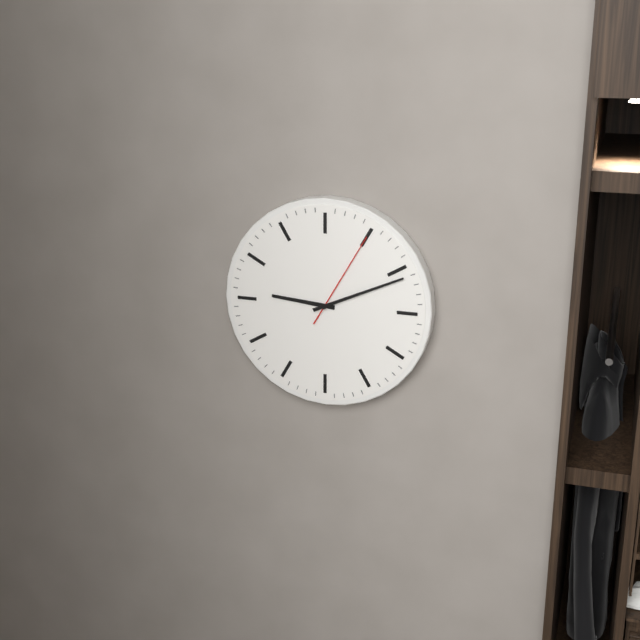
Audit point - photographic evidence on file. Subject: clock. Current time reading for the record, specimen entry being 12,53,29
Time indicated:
9,11,05
